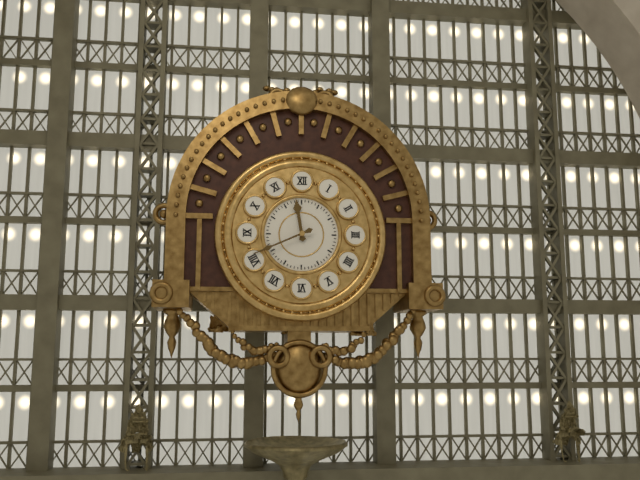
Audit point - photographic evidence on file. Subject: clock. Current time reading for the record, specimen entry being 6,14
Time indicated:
11,41
